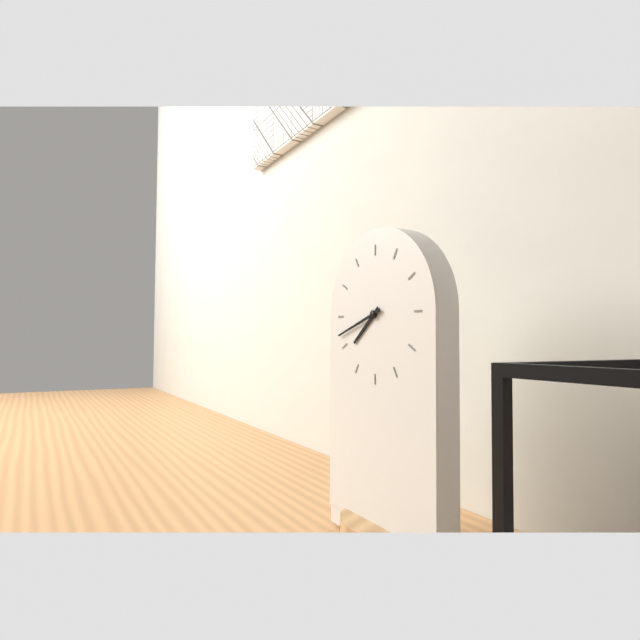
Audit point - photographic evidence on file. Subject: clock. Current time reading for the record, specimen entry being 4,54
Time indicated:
7,42
